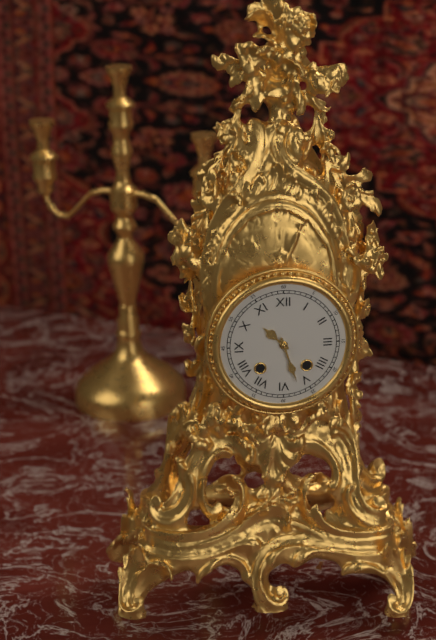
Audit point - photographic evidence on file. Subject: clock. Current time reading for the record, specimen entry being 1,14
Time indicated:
10,27
